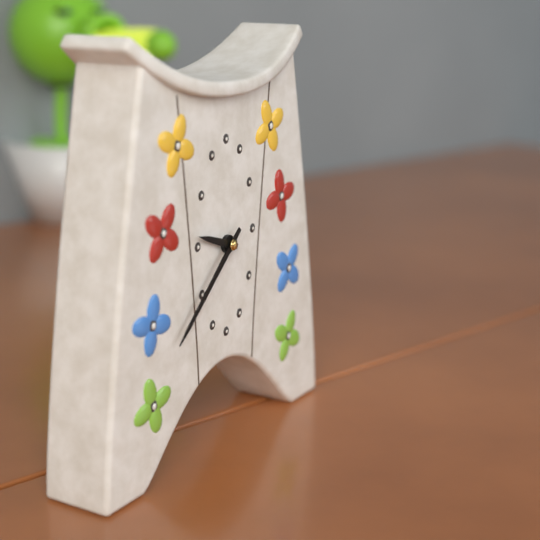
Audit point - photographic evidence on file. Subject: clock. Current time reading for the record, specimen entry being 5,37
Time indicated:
9,38
